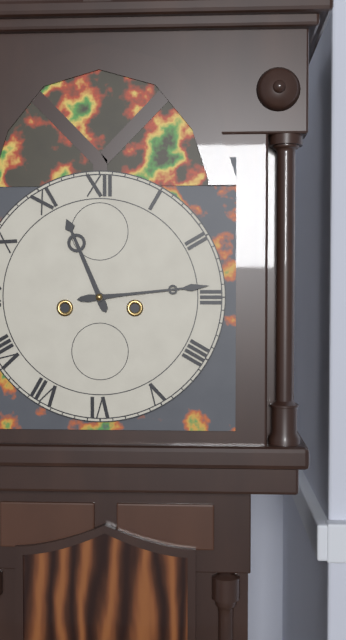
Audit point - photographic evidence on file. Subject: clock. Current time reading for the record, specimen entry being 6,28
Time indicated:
11,14
